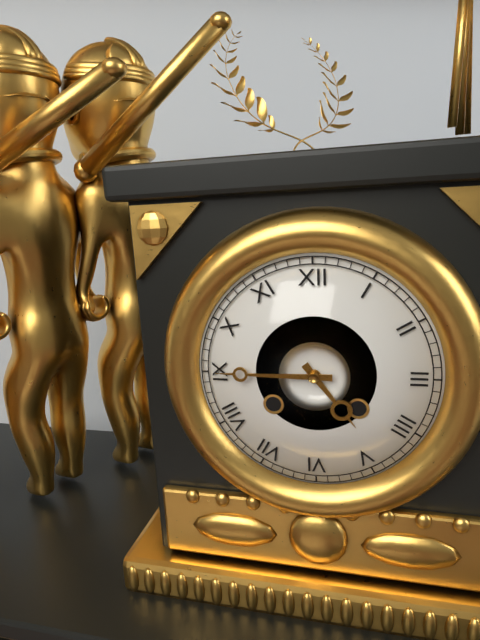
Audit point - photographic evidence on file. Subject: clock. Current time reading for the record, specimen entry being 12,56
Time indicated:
4,45
